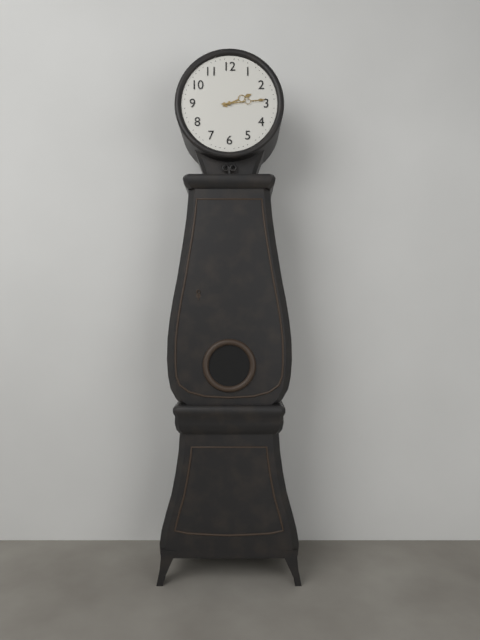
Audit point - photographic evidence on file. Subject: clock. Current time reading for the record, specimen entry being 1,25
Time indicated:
2,14
